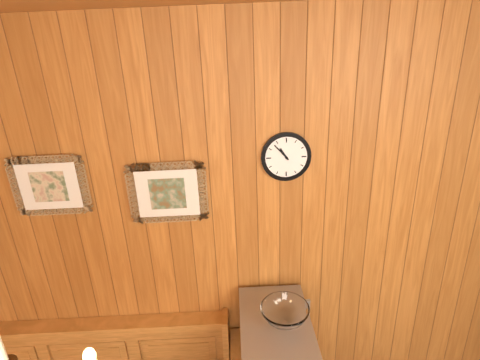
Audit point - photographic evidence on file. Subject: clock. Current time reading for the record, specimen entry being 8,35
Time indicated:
10,53
